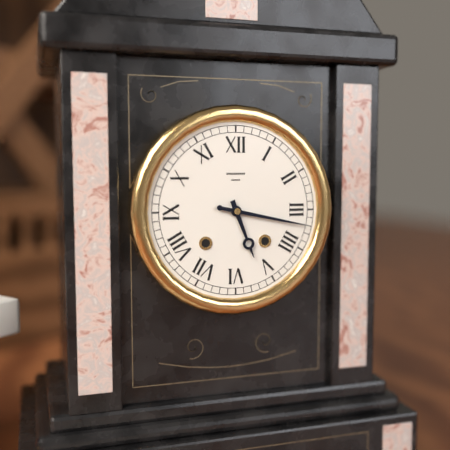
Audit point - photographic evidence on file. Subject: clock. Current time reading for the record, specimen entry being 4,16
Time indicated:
5,17
